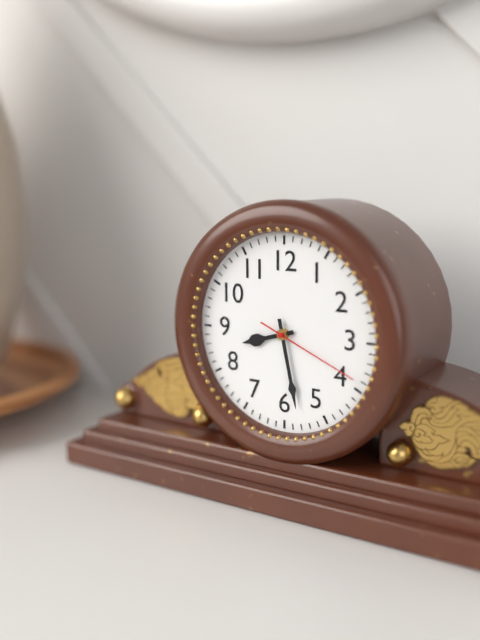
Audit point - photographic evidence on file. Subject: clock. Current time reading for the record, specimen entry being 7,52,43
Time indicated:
8,28,19
